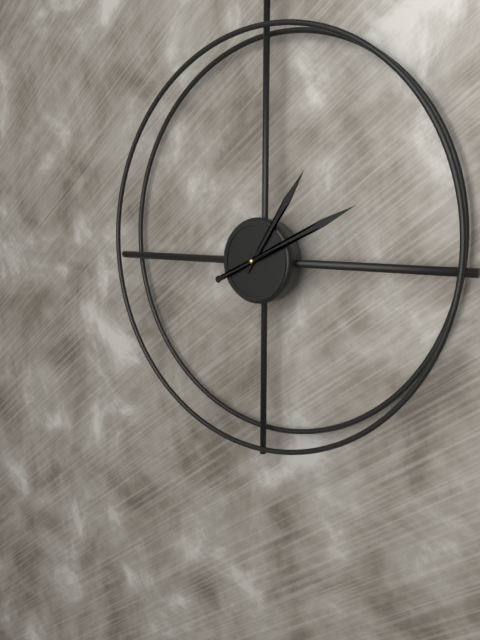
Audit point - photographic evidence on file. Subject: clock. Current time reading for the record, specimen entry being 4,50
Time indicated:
1,11
